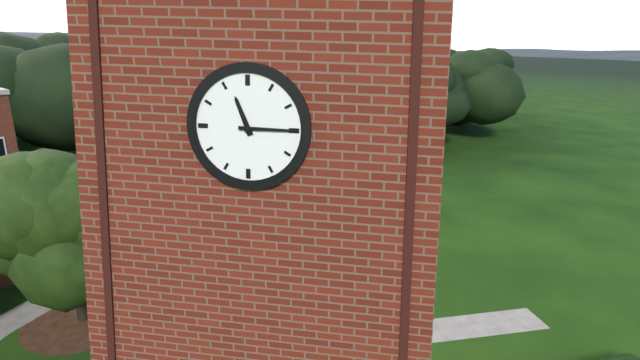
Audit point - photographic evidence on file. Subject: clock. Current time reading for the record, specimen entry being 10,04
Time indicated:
11,15
